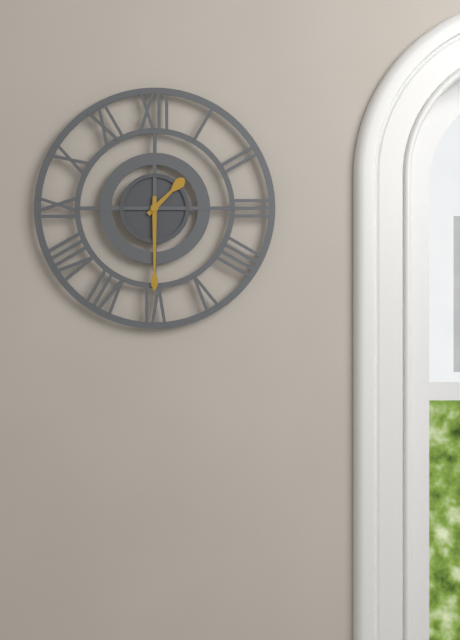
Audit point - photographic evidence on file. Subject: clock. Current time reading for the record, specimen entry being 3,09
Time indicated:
1,30
